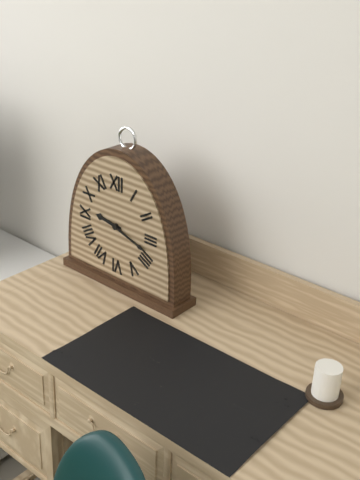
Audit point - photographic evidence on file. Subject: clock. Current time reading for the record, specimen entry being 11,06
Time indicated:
9,18
